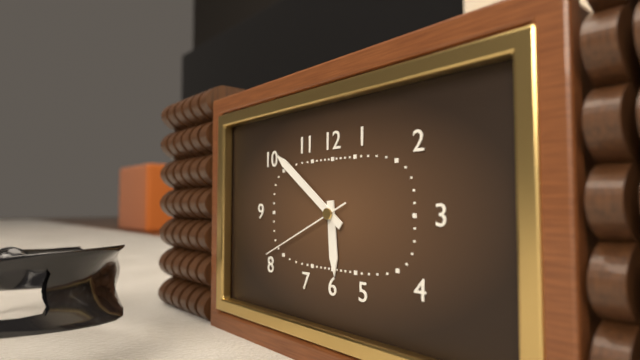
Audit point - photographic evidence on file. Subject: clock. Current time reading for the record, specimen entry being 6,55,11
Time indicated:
5,51,41
